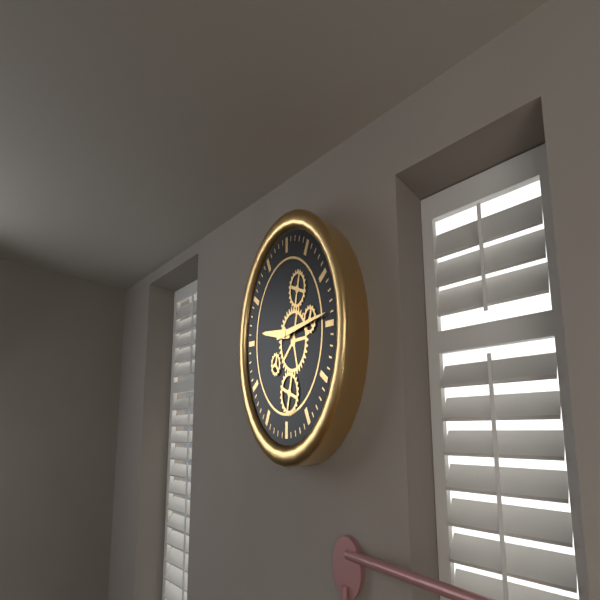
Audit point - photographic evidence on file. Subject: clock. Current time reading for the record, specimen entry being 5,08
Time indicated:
9,14
